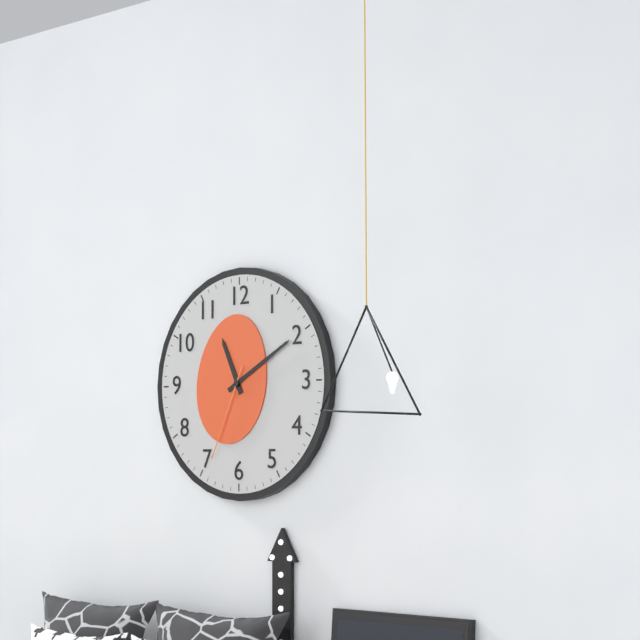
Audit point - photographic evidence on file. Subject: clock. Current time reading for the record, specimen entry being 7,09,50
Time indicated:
11,10,34
